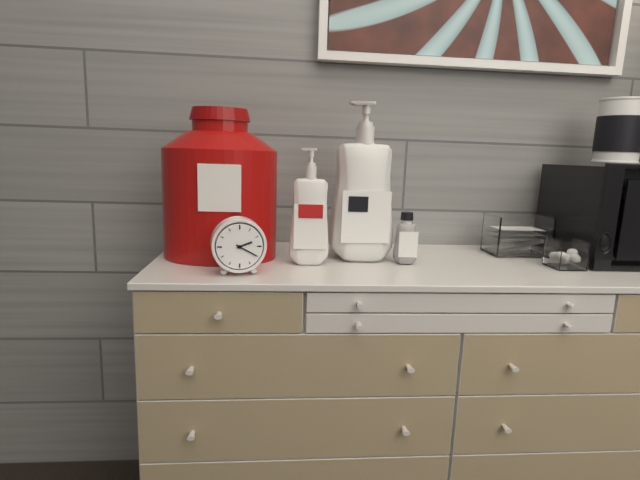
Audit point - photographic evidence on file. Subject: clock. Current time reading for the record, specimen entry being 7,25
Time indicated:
2,20
